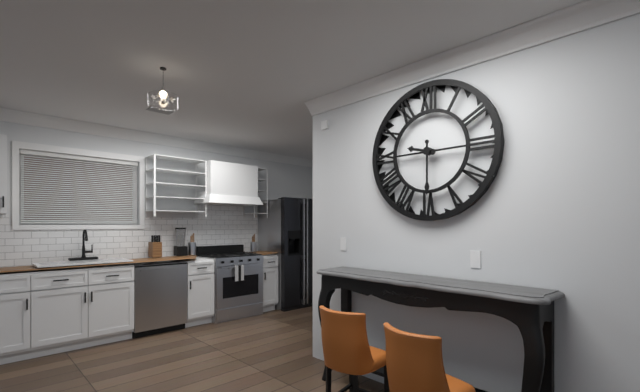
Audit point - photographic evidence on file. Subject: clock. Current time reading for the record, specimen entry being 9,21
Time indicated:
9,30
